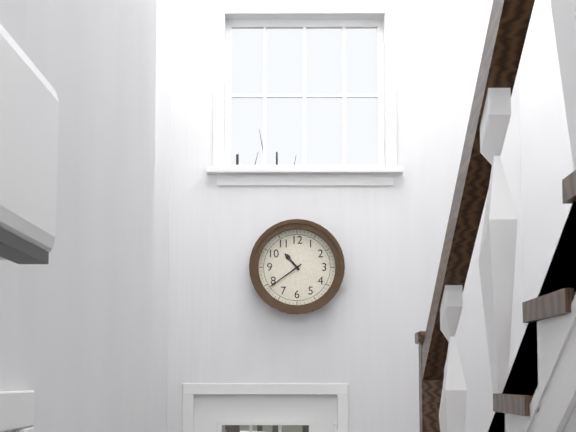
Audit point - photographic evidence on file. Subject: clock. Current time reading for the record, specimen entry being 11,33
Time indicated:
10,39
